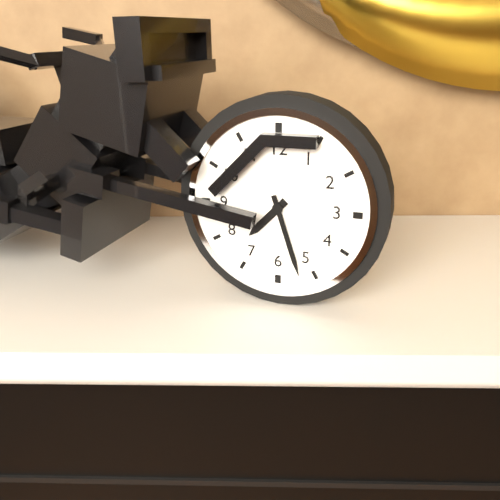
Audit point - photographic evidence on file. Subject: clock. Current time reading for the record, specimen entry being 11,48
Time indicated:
7,27
